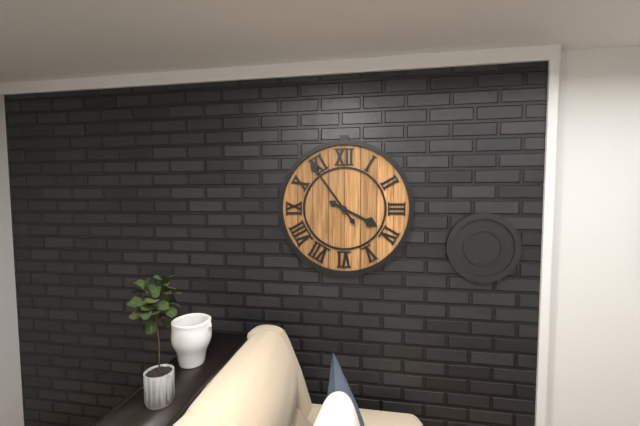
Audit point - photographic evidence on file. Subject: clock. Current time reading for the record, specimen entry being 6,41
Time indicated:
3,54
